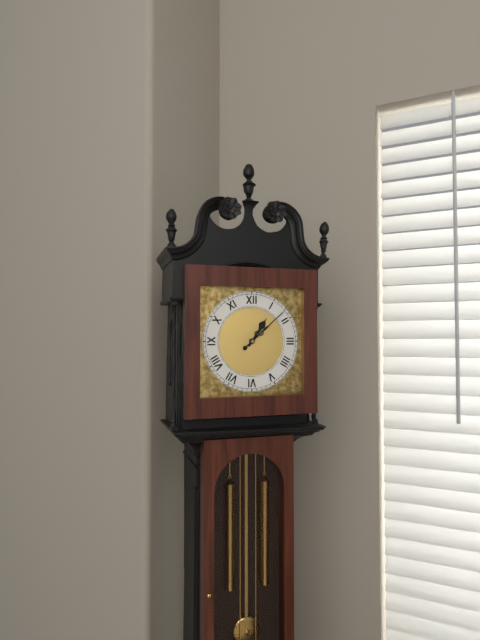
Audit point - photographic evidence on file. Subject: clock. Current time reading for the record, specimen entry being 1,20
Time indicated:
1,08
